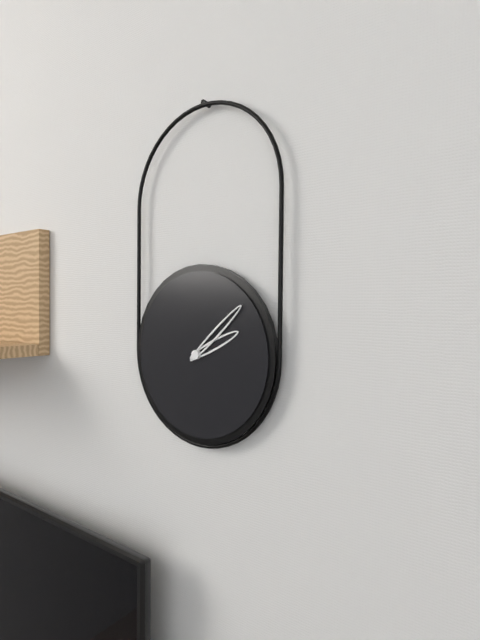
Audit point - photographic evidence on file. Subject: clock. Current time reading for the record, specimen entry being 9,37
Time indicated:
2,08
